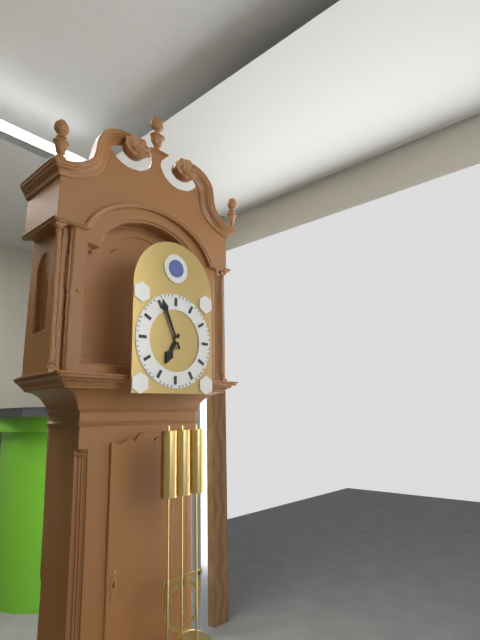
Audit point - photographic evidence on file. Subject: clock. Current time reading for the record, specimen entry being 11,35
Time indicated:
6,56
